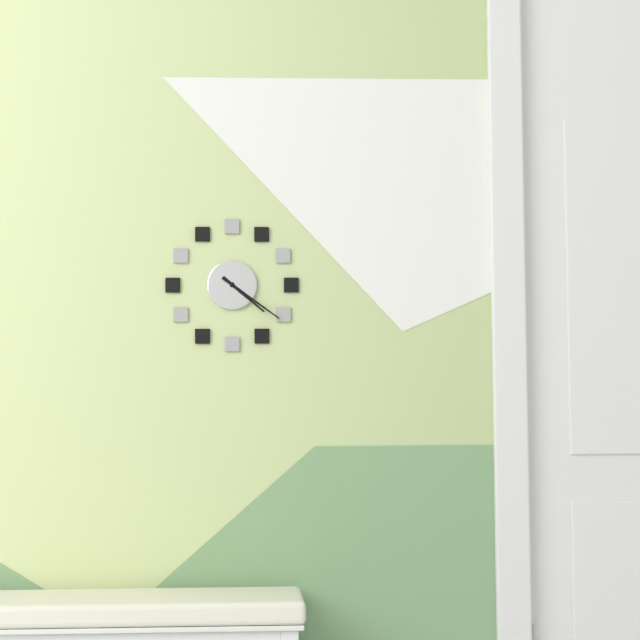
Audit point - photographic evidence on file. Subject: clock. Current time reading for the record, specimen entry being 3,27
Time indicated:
4,21
